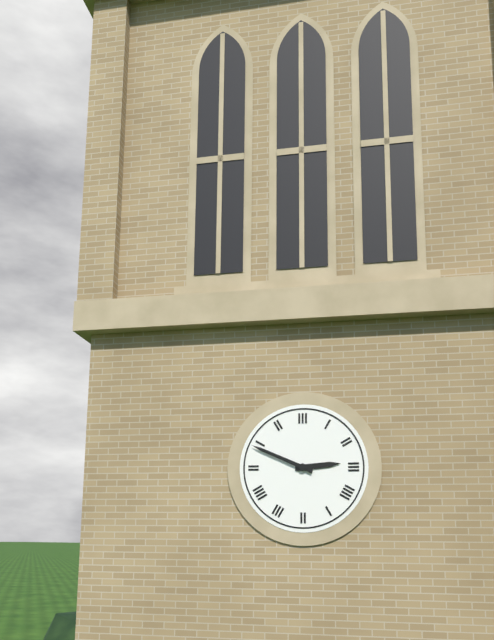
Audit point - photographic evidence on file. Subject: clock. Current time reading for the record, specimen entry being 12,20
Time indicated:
2,49
